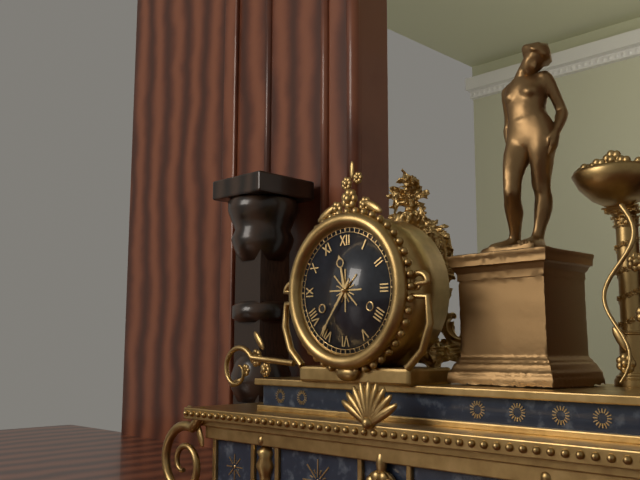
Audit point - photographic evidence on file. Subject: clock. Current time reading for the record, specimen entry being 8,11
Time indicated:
11,36
